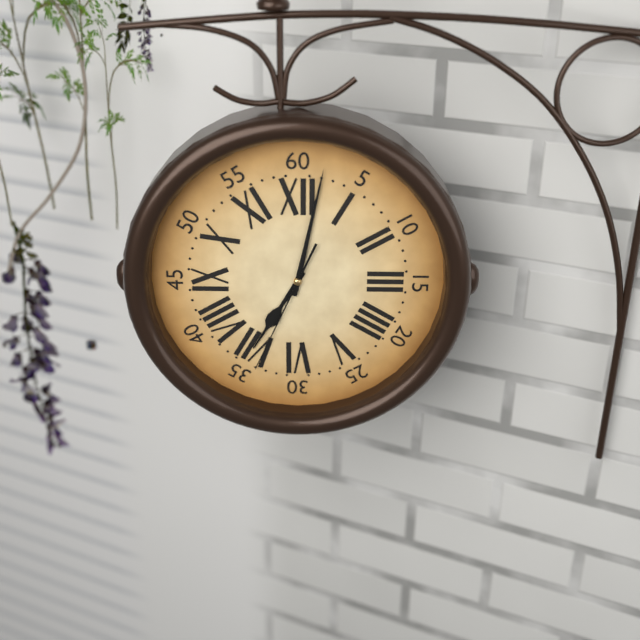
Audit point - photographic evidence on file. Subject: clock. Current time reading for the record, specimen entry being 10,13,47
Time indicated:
7,02,34
